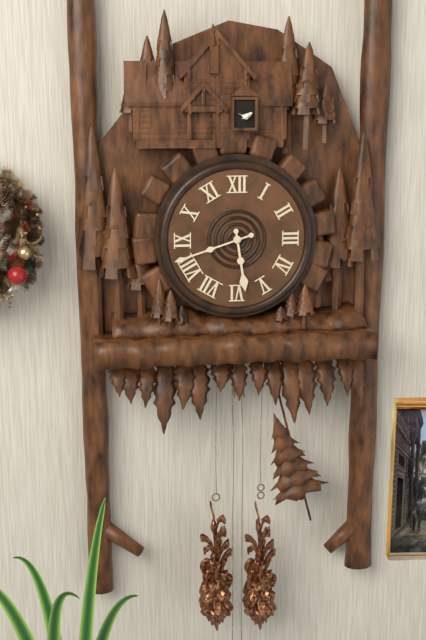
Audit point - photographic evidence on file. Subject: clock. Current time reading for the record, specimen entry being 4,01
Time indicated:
5,42
